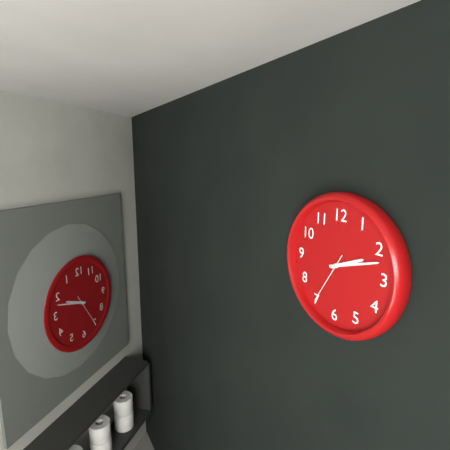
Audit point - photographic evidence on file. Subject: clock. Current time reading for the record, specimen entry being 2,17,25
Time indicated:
2,12,35
